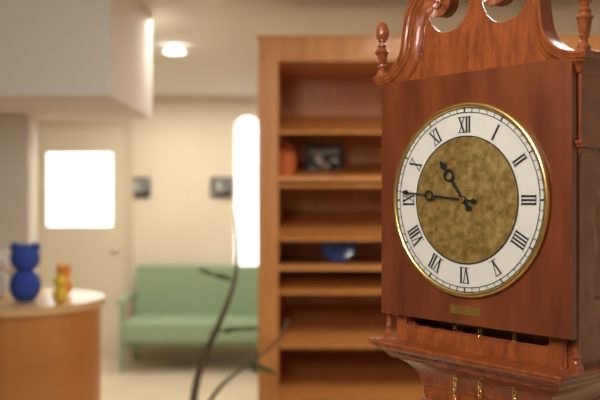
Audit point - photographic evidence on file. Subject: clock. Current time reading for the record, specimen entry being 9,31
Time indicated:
10,46
